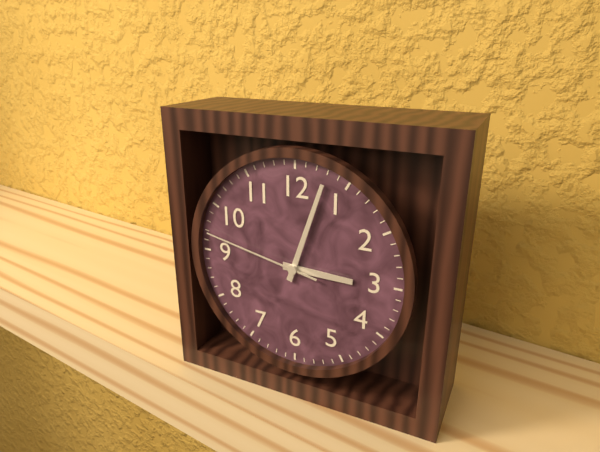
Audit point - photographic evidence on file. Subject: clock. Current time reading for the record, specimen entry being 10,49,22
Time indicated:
3,03,47
